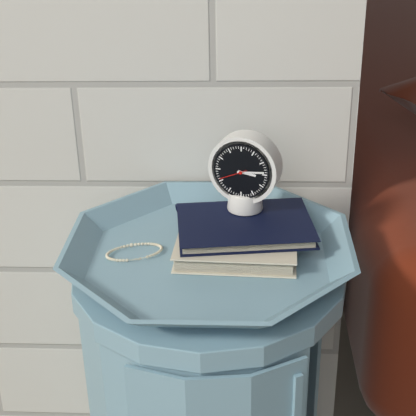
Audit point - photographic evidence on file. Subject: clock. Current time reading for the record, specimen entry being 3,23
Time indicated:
3,14
